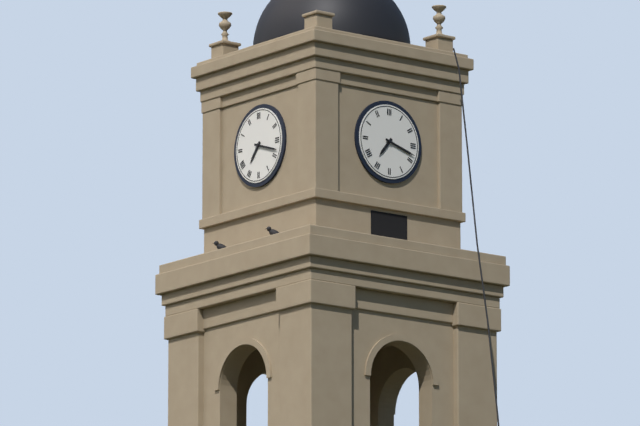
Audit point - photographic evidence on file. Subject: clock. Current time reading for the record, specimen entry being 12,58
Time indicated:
7,18
